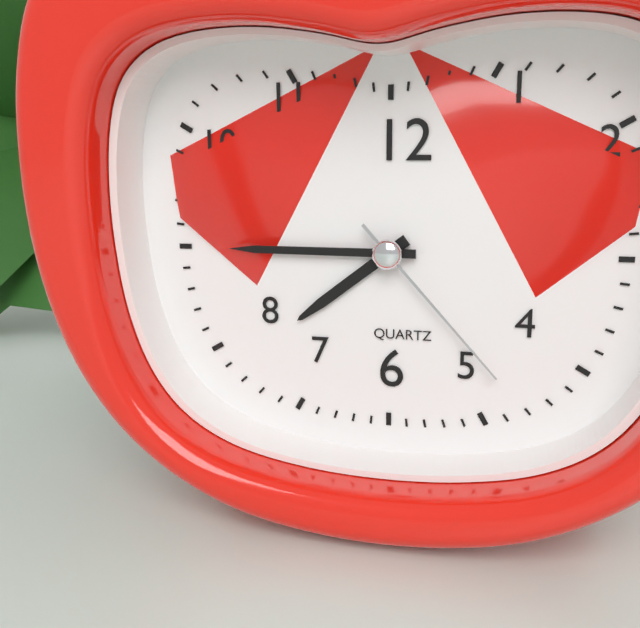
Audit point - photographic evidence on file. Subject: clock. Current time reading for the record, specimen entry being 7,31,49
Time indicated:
7,45,23
